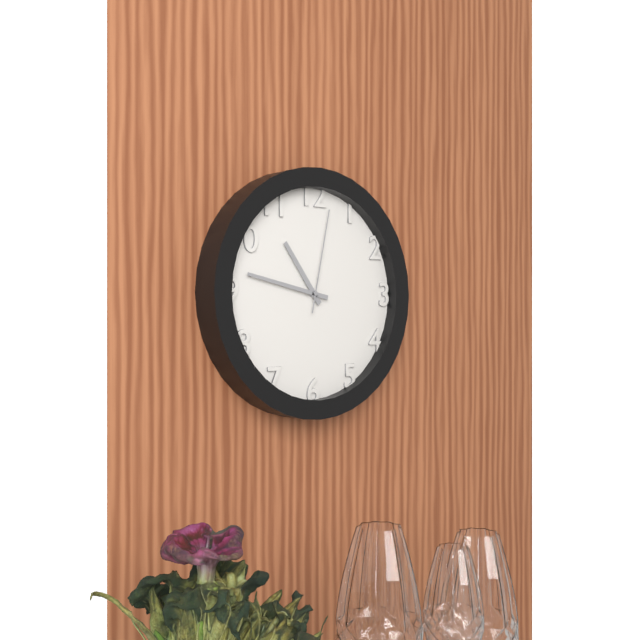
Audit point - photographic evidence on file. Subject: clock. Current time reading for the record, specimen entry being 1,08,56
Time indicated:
10,47,02
